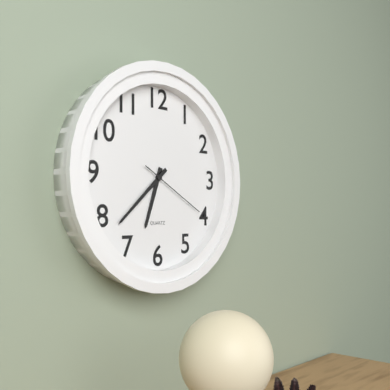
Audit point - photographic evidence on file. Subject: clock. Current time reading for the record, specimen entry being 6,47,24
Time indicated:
6,38,20
